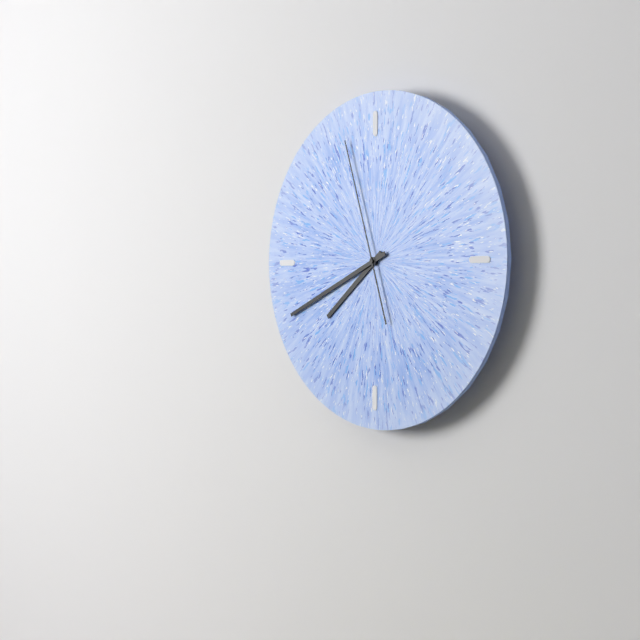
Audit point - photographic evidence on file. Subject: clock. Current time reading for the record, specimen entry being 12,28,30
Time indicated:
7,41,57
